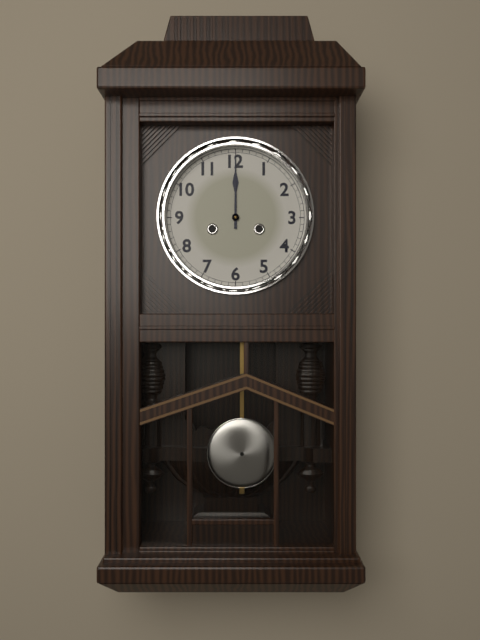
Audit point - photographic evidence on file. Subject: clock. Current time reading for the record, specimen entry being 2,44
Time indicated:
12,00
